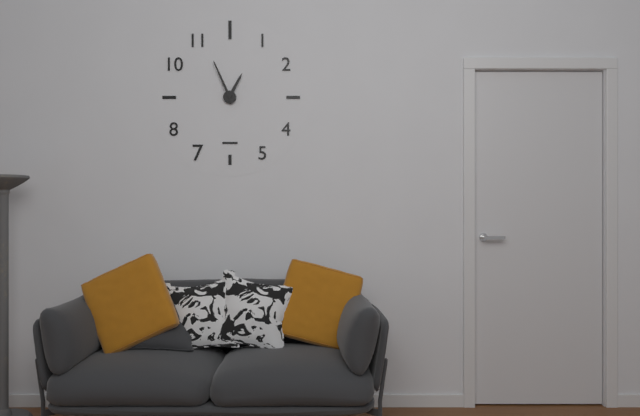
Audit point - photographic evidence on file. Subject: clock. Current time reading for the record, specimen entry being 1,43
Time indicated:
12,56
